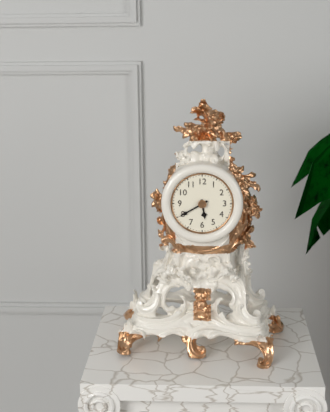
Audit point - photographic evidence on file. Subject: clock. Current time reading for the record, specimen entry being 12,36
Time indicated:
5,40
